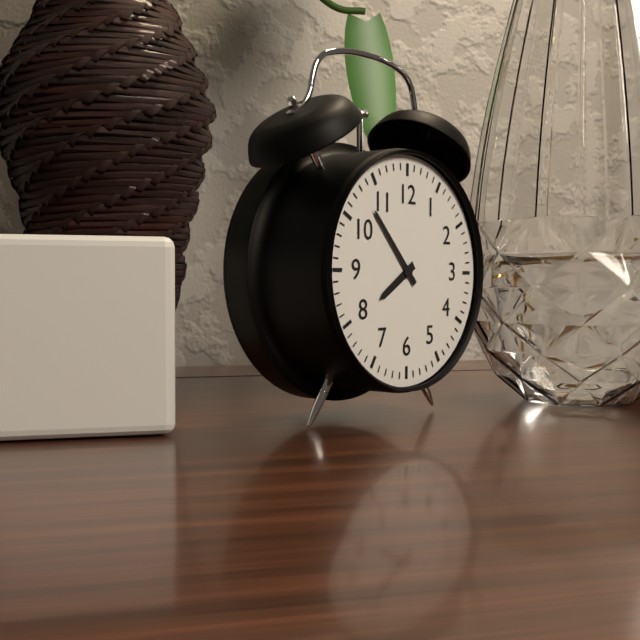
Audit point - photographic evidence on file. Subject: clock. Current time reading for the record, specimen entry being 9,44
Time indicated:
7,53
